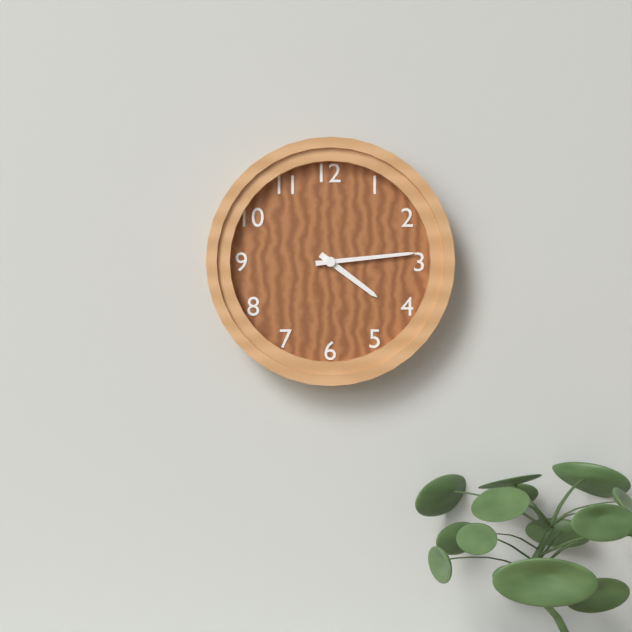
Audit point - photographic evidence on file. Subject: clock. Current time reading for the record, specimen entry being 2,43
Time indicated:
4,14
